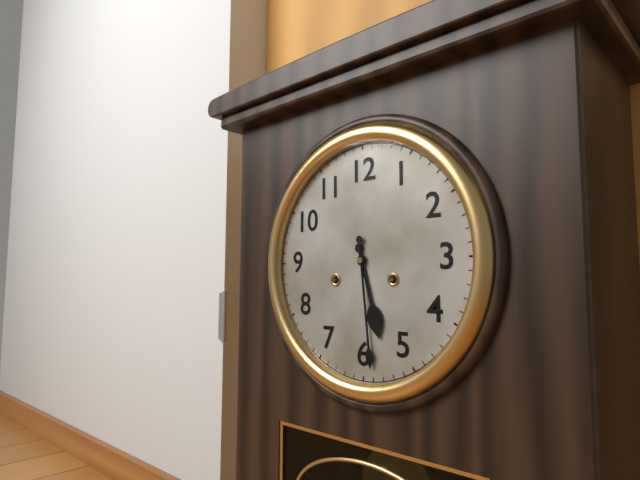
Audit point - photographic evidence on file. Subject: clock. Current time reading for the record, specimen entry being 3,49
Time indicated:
5,29
